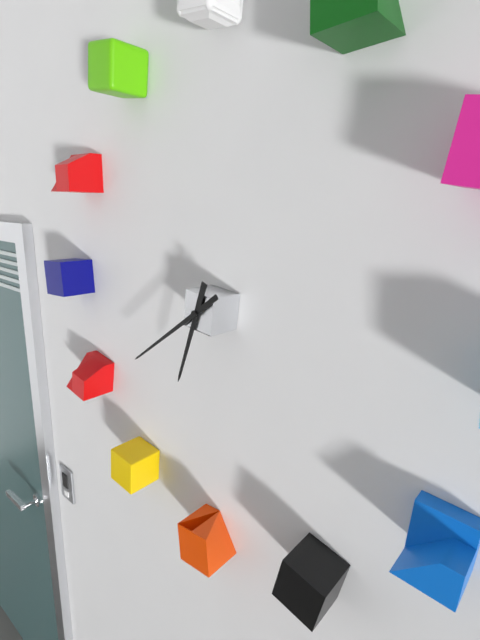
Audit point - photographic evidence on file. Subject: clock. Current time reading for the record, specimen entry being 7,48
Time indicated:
6,39
